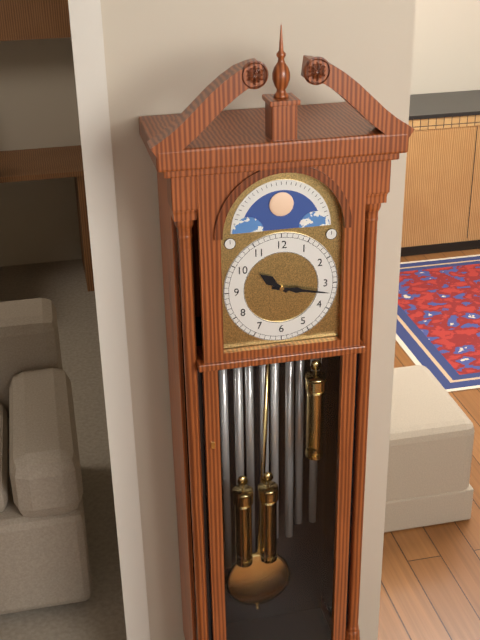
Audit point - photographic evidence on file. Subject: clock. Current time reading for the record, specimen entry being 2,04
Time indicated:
10,17
